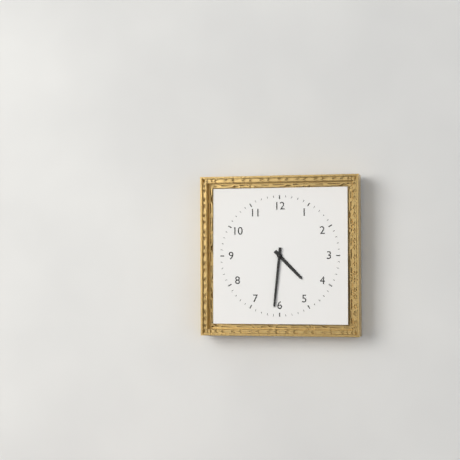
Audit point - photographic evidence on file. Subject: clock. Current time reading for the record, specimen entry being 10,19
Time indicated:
4,31
